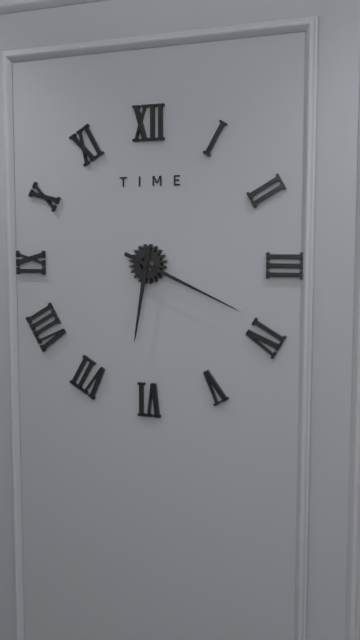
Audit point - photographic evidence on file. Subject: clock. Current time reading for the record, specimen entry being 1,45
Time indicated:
6,19
